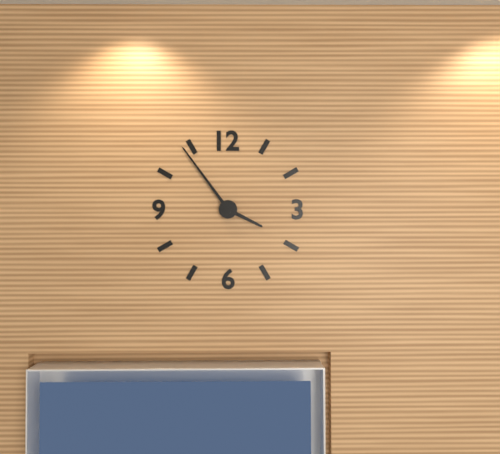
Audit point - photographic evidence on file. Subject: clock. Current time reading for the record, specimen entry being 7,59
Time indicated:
3,54
